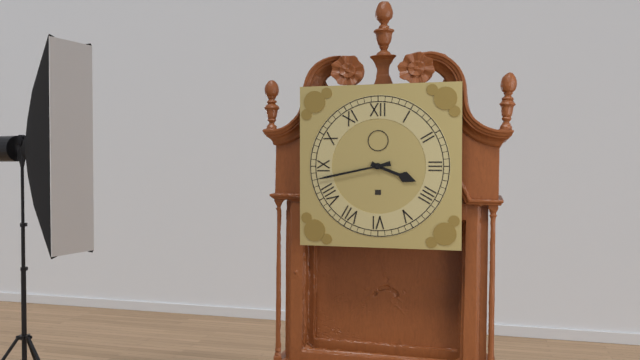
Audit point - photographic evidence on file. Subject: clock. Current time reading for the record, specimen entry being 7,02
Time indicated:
3,43
